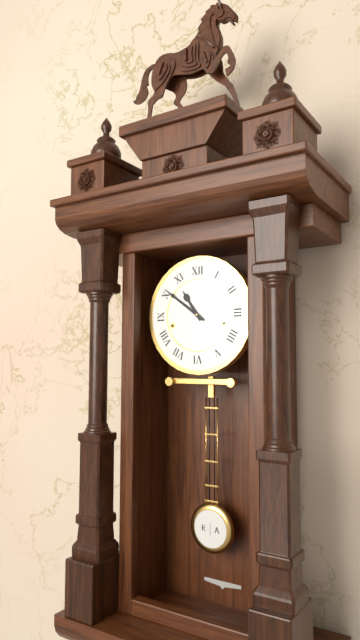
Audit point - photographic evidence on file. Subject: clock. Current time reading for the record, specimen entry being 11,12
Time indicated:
10,51
